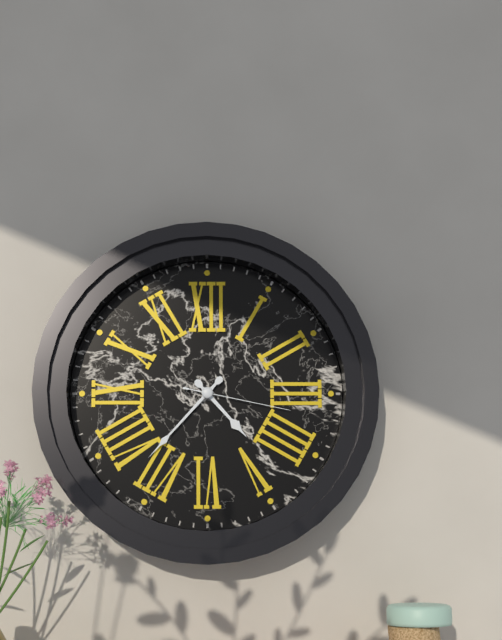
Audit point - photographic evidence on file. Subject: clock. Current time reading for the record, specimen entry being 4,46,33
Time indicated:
4,37,17
